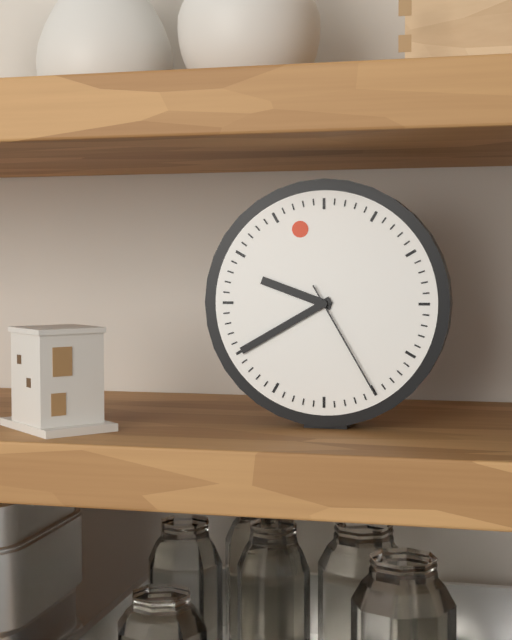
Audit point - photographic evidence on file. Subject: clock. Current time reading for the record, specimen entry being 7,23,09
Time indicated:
9,40,25
